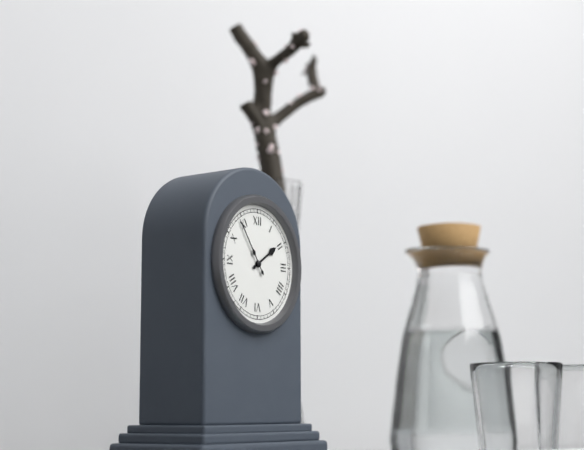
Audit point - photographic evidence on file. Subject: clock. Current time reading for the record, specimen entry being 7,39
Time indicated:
1,54
